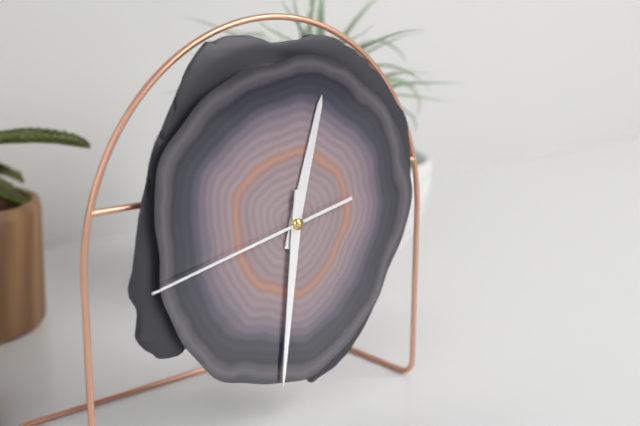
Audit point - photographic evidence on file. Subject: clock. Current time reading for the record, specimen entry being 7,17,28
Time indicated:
12,31,43
